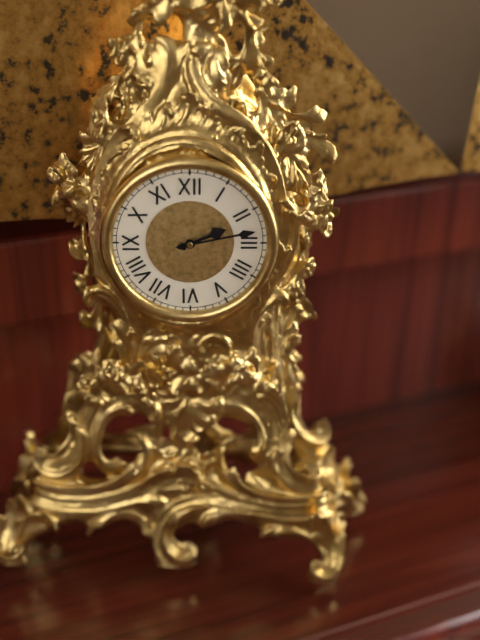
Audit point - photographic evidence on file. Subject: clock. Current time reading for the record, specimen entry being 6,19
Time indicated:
2,13
